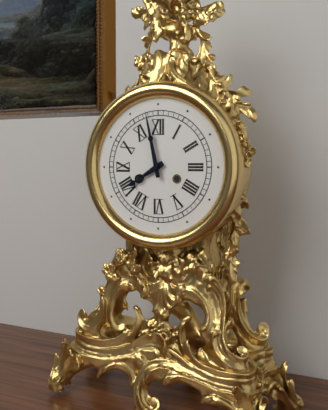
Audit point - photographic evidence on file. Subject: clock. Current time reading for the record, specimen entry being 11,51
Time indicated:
7,58
